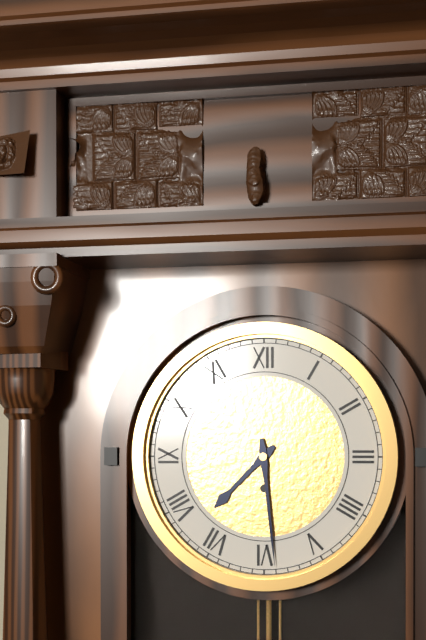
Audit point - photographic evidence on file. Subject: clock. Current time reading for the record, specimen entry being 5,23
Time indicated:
7,29
